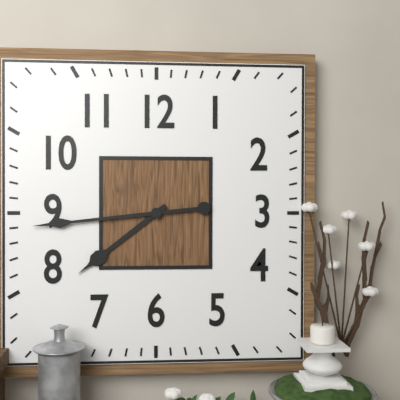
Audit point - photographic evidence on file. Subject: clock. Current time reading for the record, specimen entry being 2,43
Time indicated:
7,44
